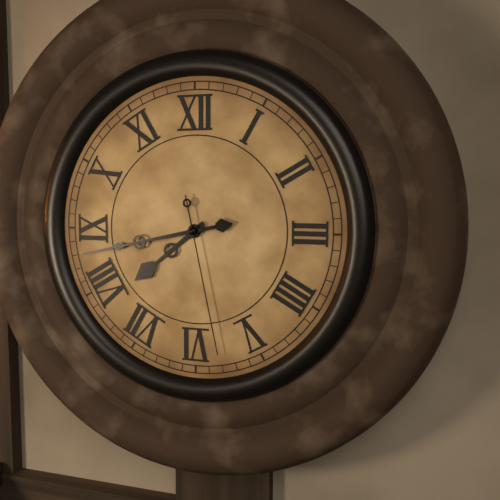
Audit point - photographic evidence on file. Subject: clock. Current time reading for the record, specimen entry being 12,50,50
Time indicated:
7,43,28
